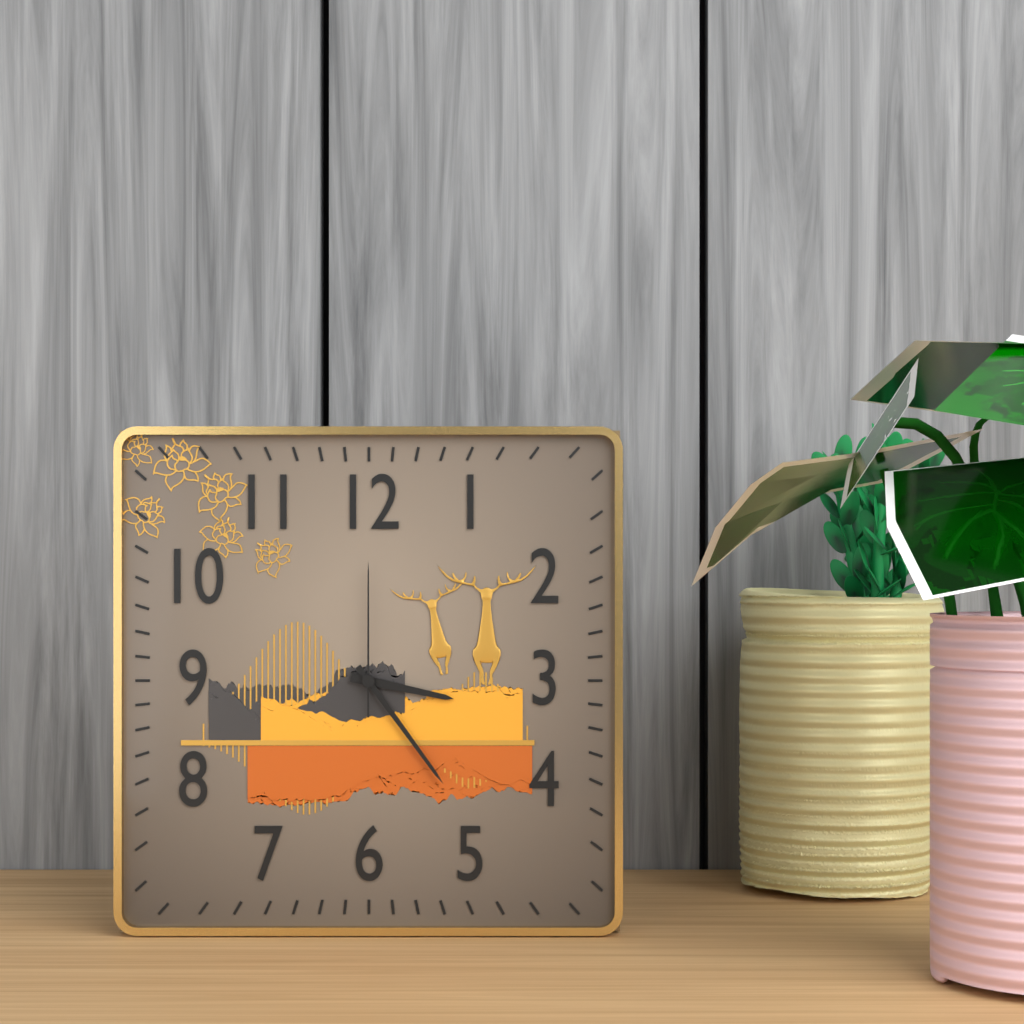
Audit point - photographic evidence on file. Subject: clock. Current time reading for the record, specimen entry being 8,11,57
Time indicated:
3,24,00
